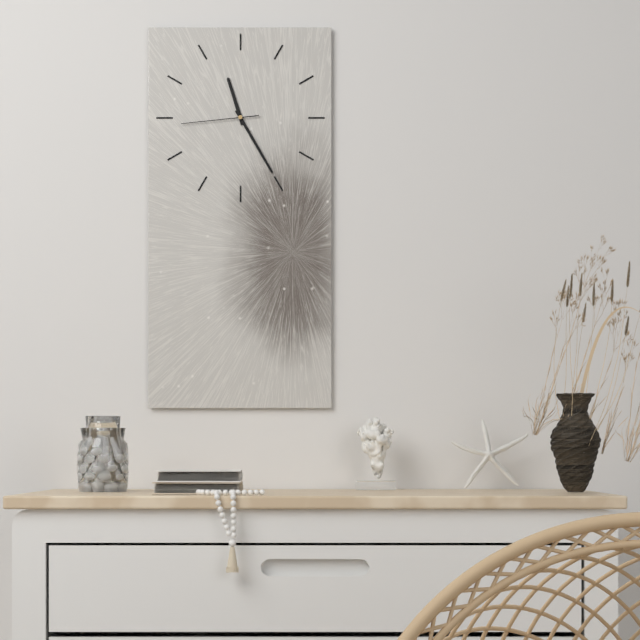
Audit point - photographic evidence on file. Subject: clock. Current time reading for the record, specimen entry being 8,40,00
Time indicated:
11,25,44
